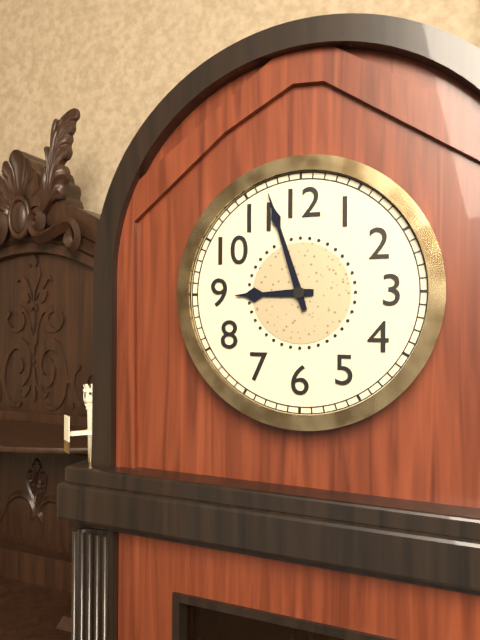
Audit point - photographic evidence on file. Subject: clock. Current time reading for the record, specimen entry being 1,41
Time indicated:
8,57
